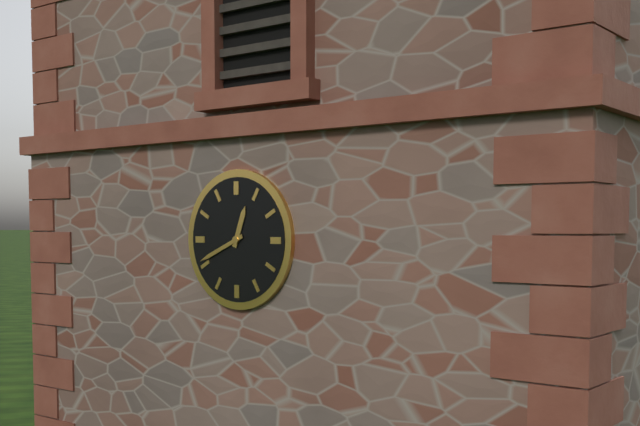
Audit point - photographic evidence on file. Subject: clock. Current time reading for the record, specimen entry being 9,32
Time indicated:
12,41
